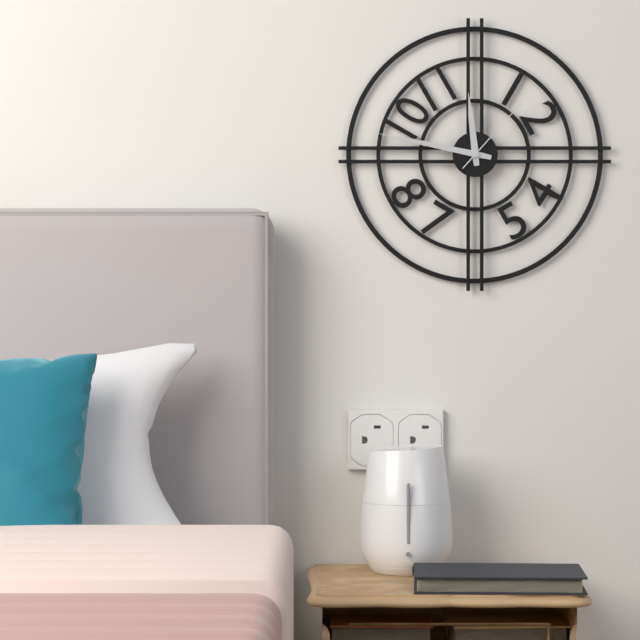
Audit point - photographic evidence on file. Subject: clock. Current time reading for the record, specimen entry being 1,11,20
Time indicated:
11,47,07
